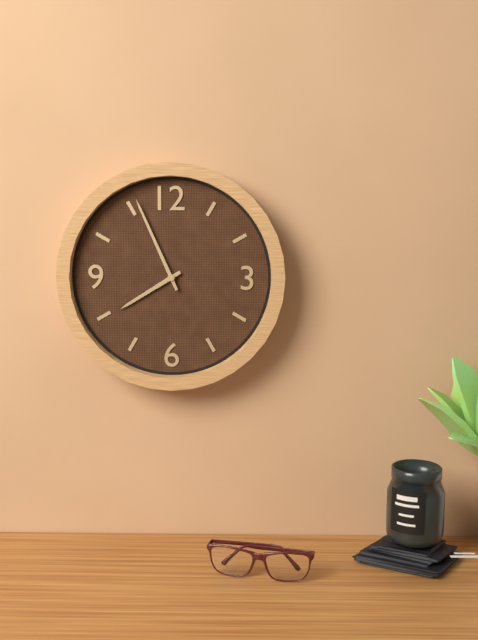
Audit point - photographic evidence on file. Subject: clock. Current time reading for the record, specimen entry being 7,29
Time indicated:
7,56
